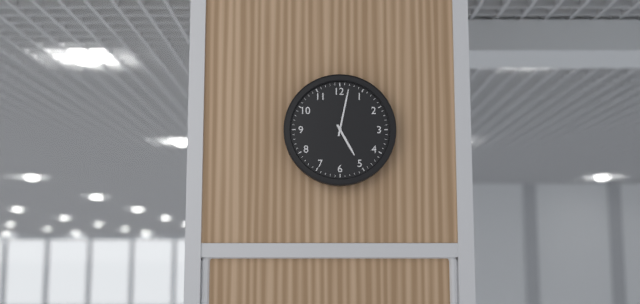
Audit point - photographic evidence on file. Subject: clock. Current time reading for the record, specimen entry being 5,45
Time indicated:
5,02
